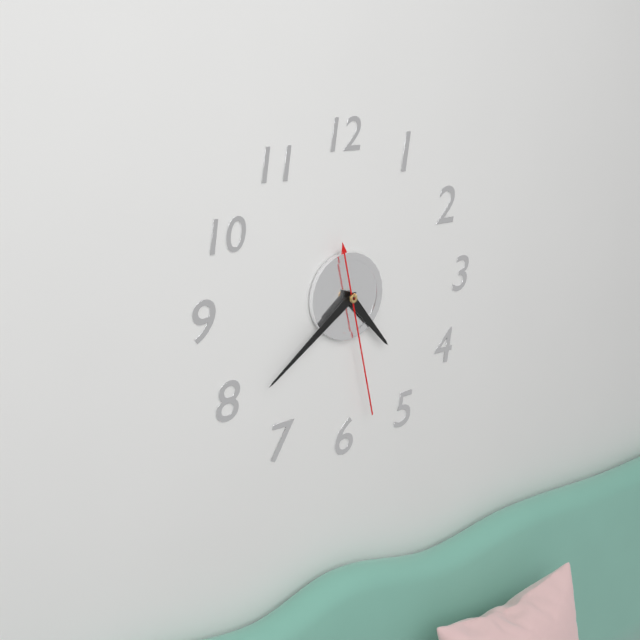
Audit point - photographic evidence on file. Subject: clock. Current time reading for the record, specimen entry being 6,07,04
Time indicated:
4,39,28
